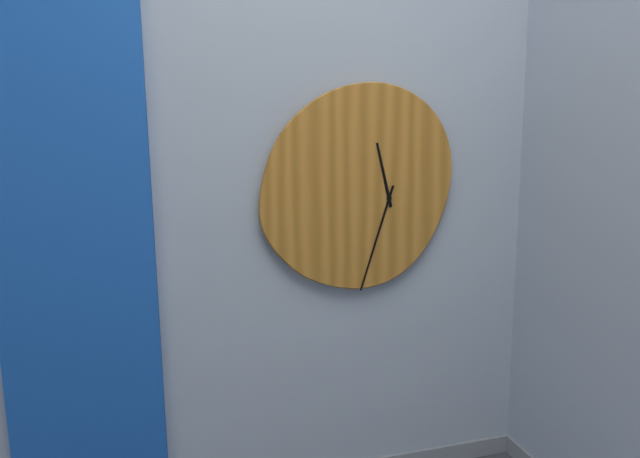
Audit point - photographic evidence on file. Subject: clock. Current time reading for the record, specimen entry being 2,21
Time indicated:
11,33
